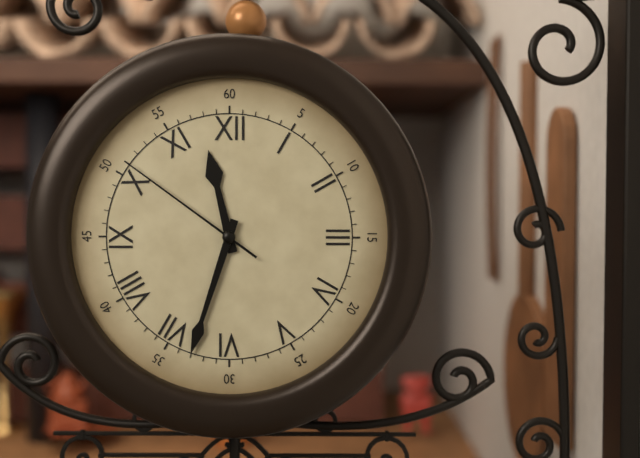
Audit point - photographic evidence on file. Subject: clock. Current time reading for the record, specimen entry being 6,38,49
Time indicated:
11,33,51
